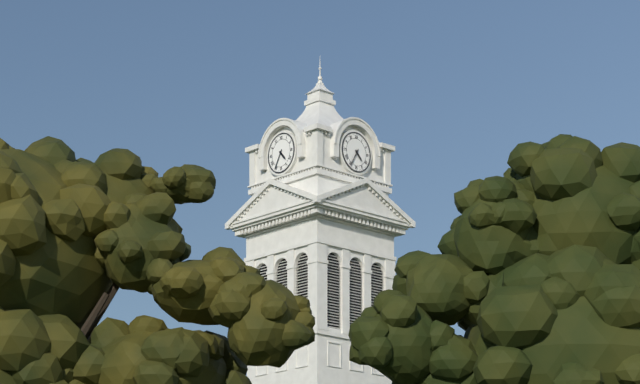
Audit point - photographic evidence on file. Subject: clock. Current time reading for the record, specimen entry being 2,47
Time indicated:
4,35
